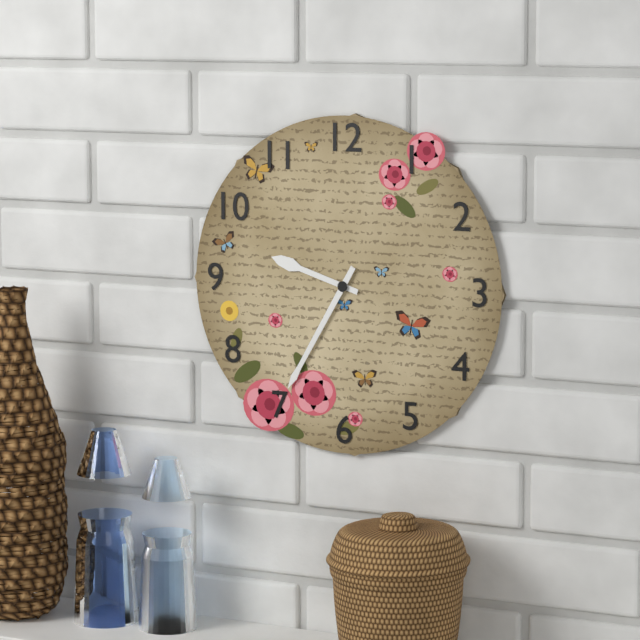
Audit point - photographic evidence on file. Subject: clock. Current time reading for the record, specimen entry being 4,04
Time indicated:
9,35
